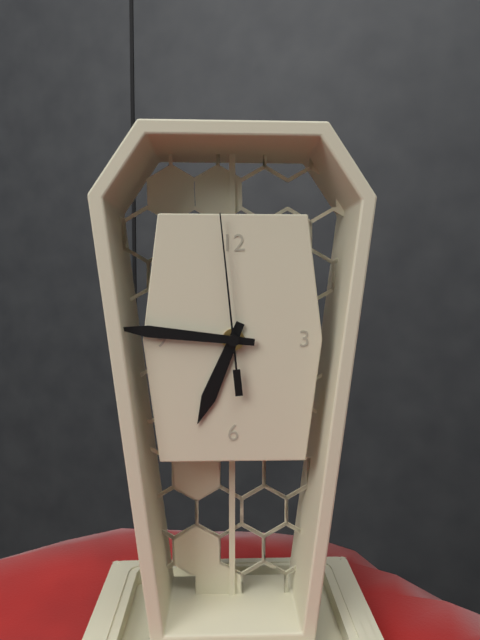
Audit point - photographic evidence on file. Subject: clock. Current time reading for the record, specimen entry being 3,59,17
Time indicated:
6,46,59
